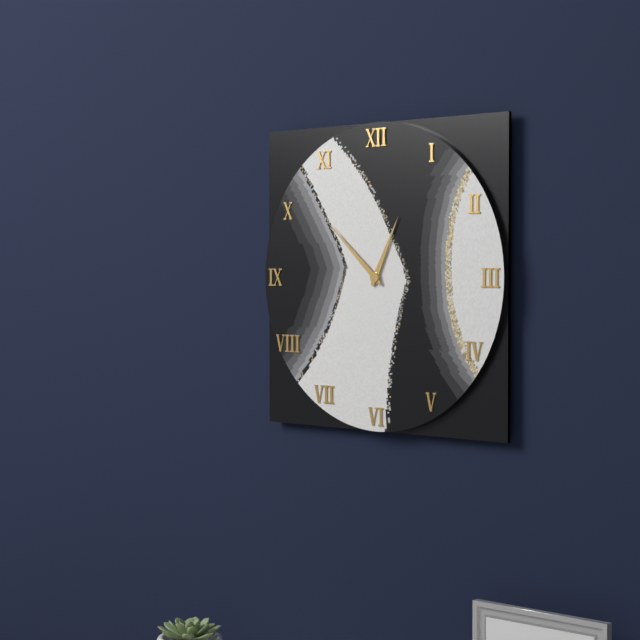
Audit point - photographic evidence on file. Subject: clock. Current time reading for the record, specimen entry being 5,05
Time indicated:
12,52
